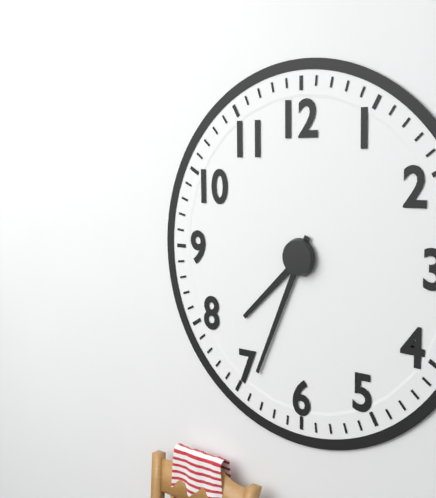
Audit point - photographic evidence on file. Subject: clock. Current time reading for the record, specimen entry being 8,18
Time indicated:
7,34
